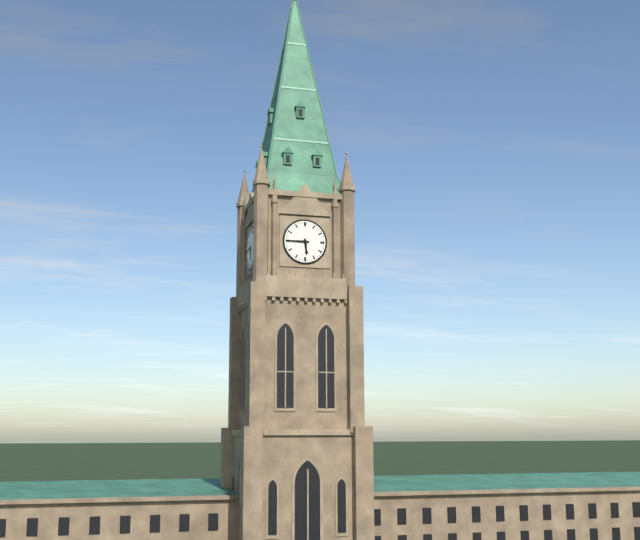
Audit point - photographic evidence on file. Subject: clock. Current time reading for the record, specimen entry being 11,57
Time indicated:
5,45
